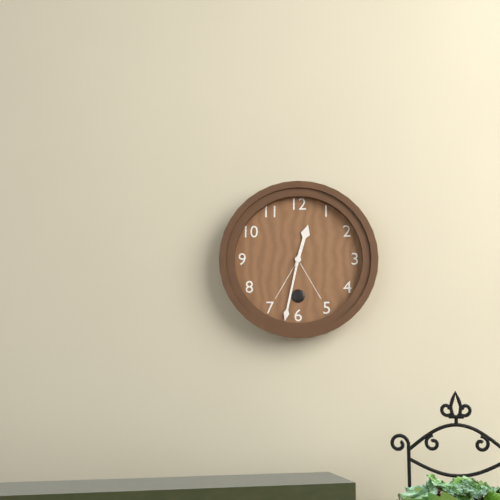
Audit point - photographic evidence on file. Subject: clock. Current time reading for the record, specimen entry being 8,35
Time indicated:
12,32
